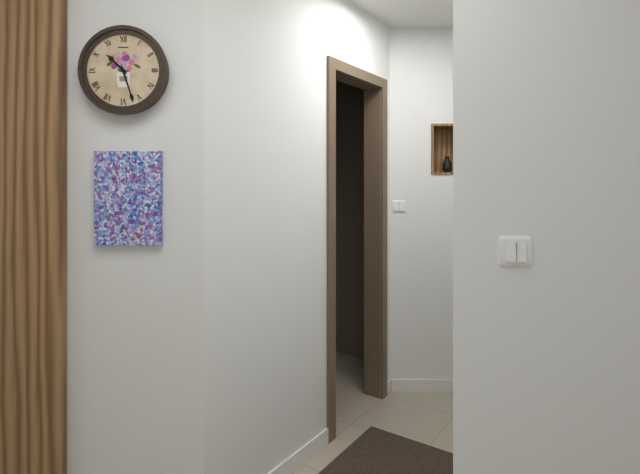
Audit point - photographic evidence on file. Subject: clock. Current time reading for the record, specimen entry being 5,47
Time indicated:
10,27
